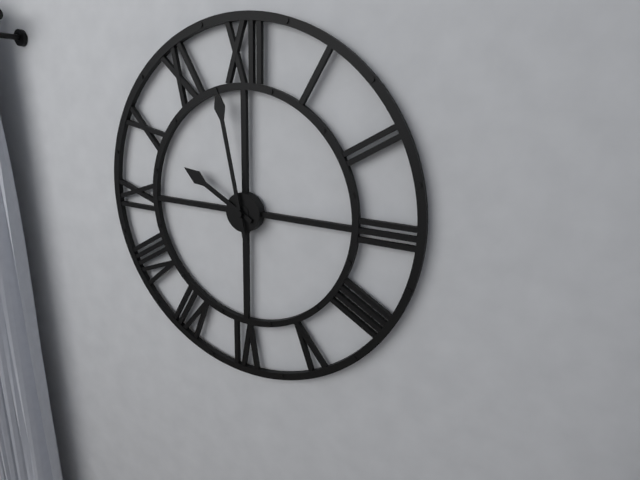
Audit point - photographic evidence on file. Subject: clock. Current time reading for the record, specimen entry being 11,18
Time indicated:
9,58
